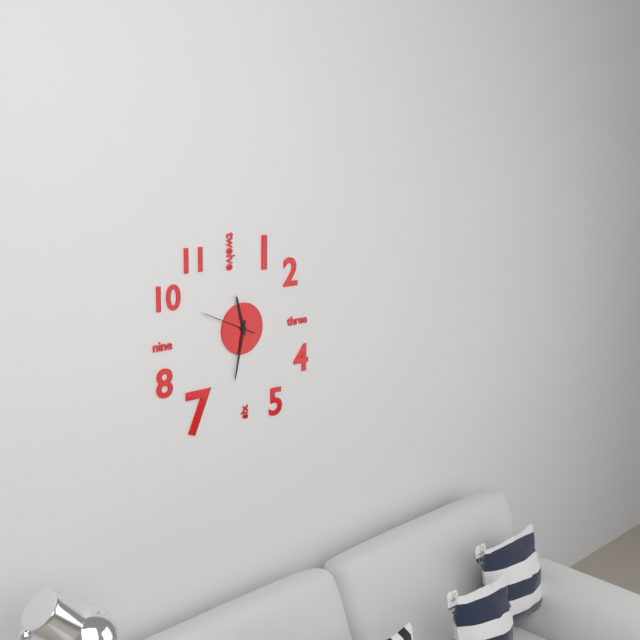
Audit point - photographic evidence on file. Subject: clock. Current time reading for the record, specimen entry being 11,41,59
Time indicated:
11,32,49
